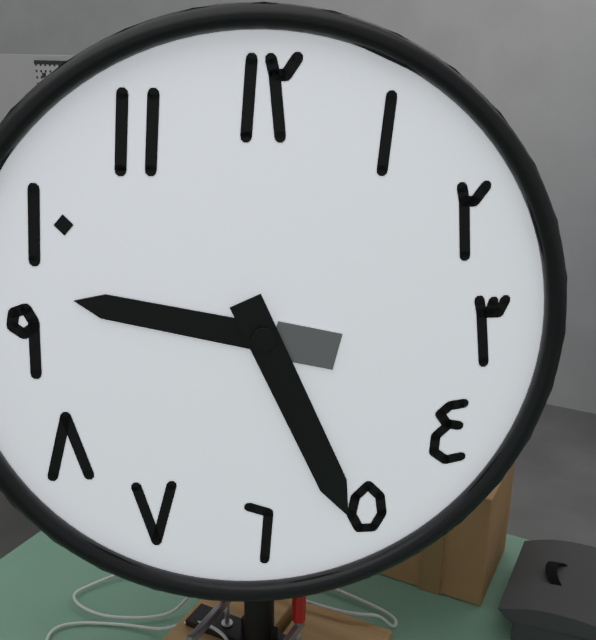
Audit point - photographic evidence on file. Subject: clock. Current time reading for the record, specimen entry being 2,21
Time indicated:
9,26
